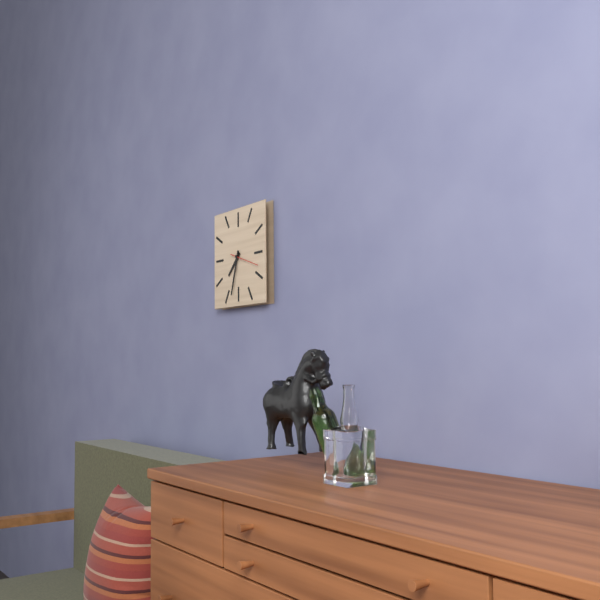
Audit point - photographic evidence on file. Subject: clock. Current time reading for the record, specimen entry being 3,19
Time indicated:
7,33
